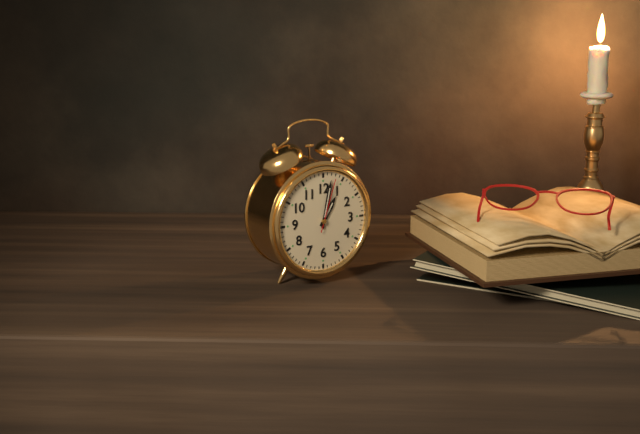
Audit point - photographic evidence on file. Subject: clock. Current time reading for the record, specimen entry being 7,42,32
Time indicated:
1,02,03
